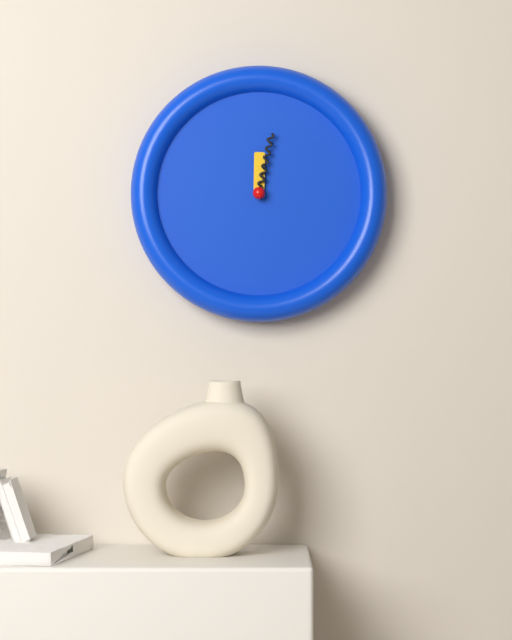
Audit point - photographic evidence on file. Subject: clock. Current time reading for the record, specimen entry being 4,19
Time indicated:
12,02
